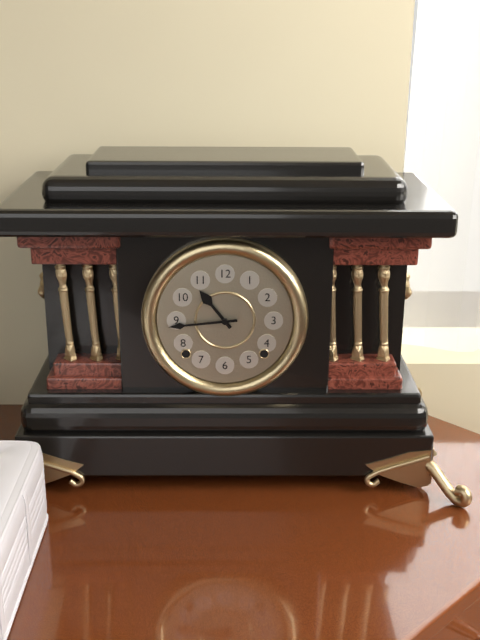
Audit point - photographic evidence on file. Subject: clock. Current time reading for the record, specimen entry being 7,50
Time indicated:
10,44
